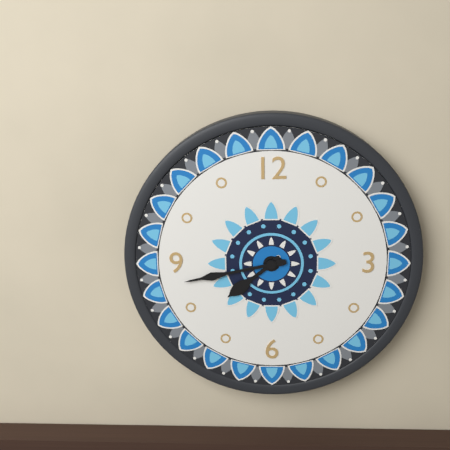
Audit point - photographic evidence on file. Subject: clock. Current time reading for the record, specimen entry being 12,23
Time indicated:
7,43
